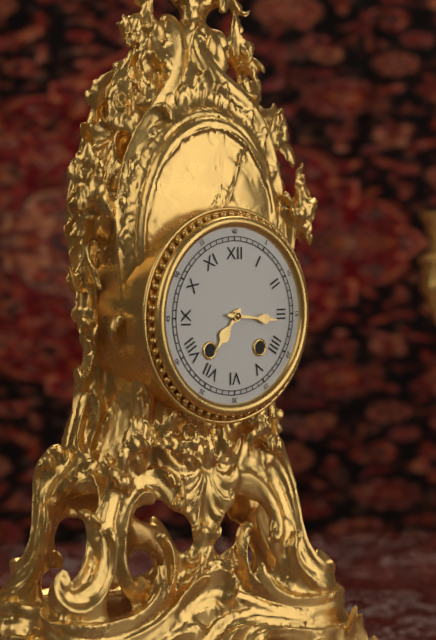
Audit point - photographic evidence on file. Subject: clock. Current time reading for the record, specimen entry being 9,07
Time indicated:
7,16
